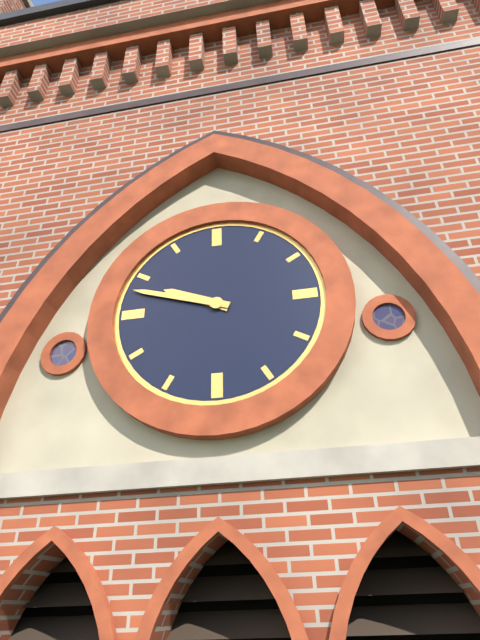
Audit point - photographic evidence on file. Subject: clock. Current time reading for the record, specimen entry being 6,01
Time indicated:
9,48
